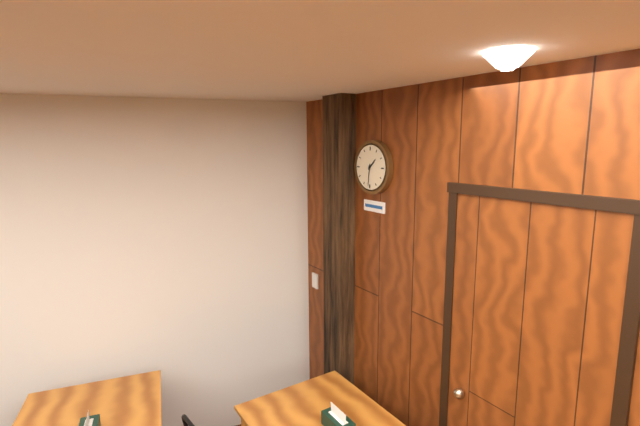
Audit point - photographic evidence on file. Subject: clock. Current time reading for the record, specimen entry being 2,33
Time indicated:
1,31
